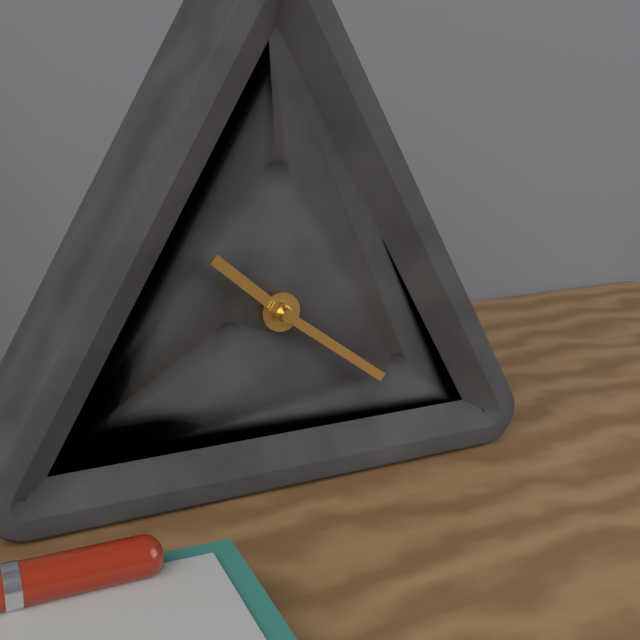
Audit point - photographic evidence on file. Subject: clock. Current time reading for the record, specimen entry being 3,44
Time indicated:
10,21
